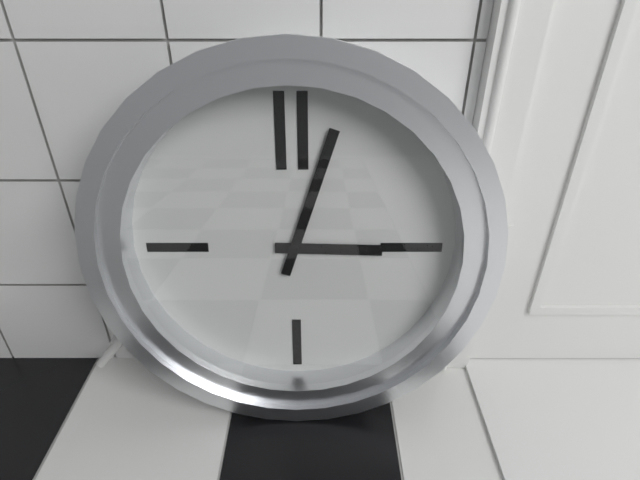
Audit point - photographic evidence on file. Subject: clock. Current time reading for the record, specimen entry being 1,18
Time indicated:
3,03
